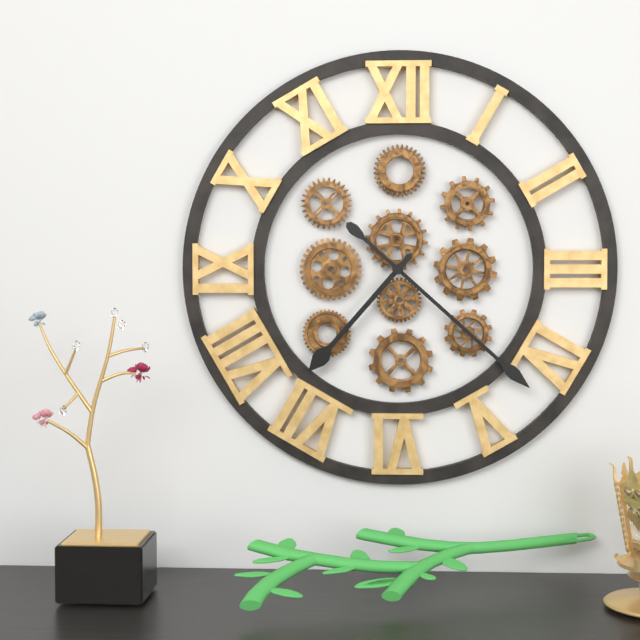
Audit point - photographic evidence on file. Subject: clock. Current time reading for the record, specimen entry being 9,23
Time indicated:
7,22
